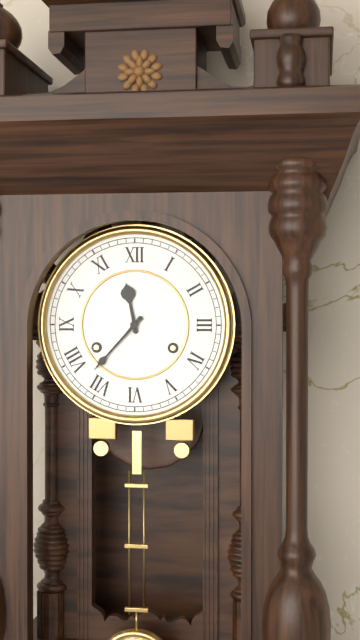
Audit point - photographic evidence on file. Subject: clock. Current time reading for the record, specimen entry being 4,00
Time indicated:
11,37
